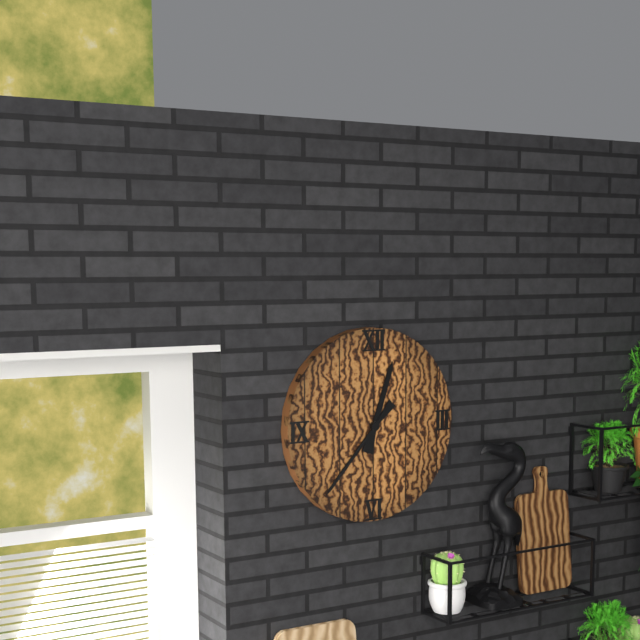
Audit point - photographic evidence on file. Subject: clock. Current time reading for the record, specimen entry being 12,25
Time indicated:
12,37
